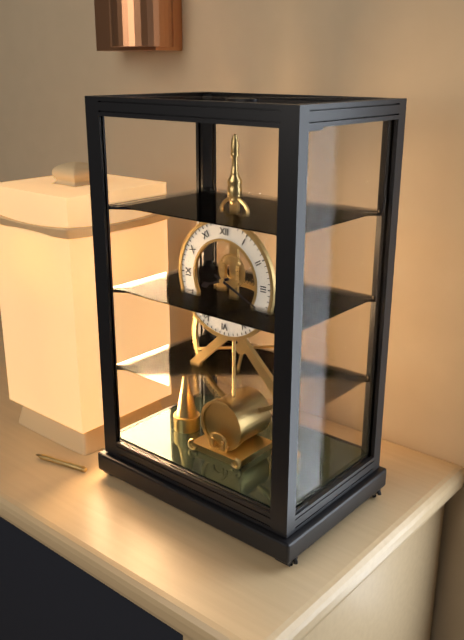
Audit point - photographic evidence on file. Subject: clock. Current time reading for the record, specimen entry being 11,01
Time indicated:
8,19
